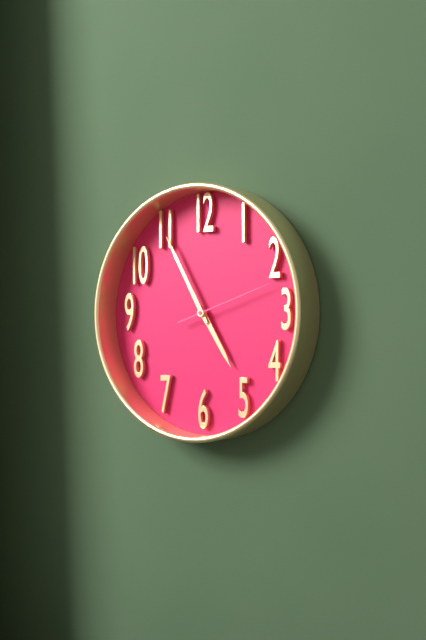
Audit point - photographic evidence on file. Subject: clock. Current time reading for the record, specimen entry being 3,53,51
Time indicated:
4,55,12
